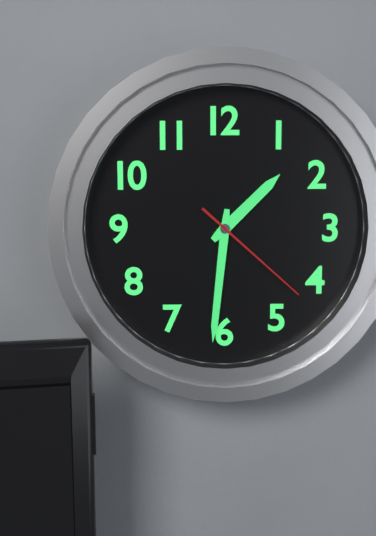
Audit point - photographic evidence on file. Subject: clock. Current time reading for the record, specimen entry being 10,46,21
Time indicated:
1,31,22
